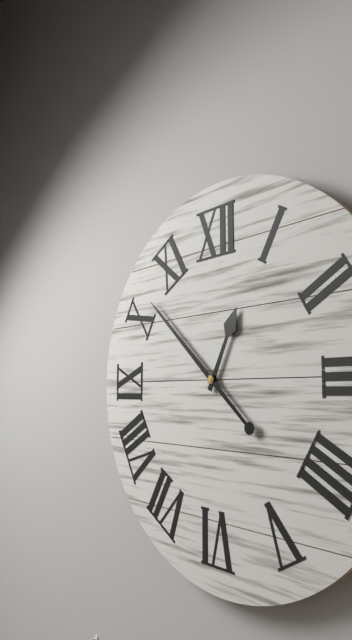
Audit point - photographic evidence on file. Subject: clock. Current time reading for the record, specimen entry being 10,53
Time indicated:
12,52
